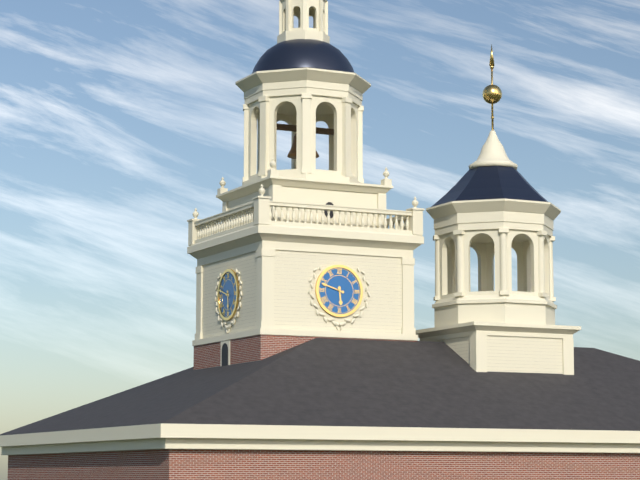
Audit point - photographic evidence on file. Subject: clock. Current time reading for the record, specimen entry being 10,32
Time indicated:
5,48
